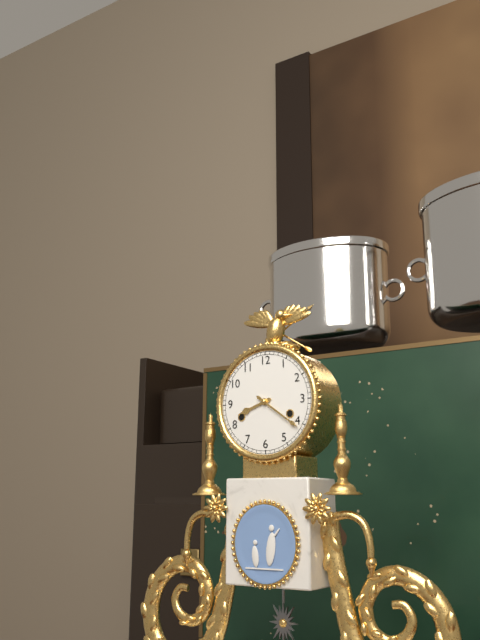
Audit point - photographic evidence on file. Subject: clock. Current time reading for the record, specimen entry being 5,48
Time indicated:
8,21
